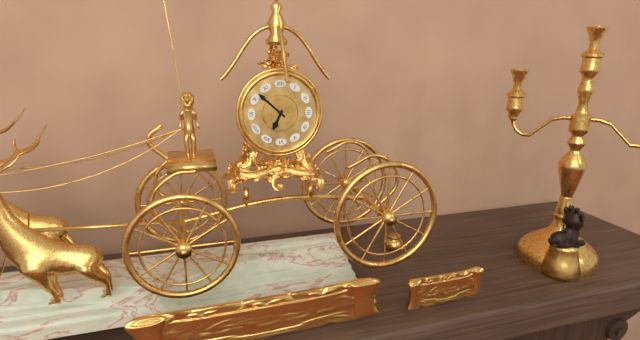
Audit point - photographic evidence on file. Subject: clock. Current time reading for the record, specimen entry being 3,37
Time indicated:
6,52
